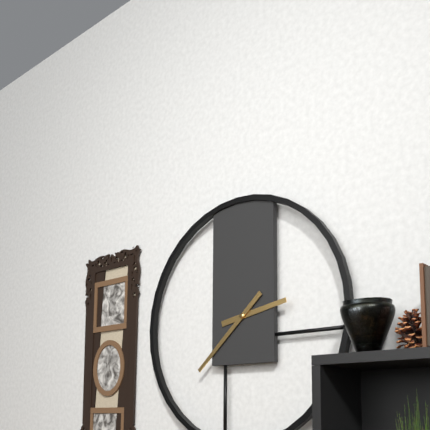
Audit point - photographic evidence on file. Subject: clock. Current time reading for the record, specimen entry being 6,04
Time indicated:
2,38
